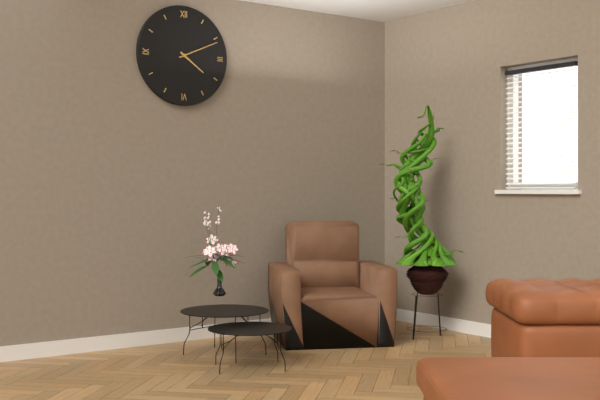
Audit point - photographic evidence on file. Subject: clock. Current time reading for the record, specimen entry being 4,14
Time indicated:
4,11
